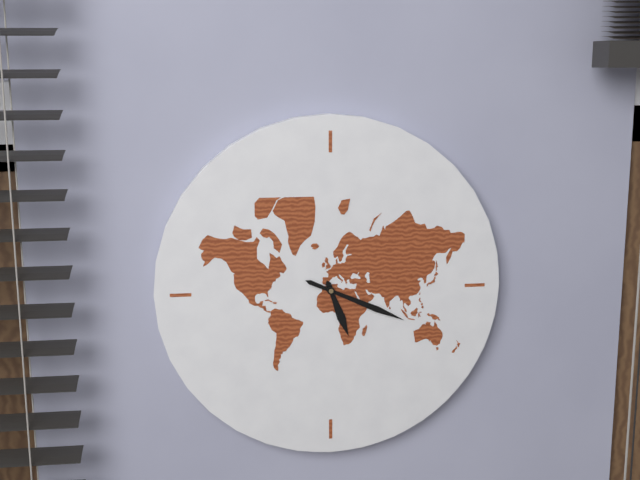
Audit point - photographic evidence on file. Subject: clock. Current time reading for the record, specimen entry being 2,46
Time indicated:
5,19
